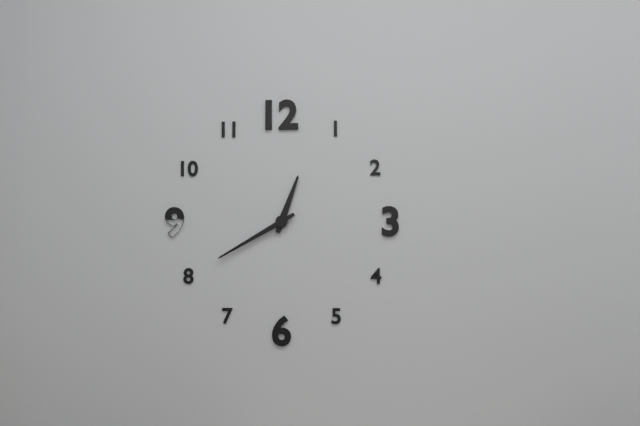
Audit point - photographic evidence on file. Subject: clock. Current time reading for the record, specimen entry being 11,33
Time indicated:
12,40
